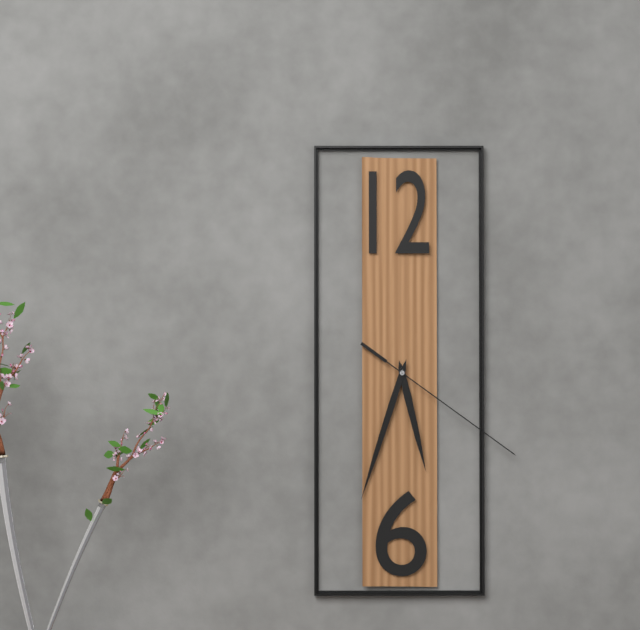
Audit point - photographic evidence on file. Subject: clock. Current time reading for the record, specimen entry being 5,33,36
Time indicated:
5,33,21
